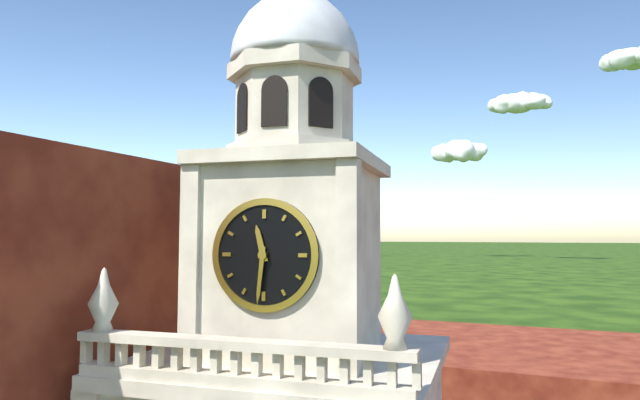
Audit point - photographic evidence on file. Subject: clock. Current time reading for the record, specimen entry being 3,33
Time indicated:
11,31
